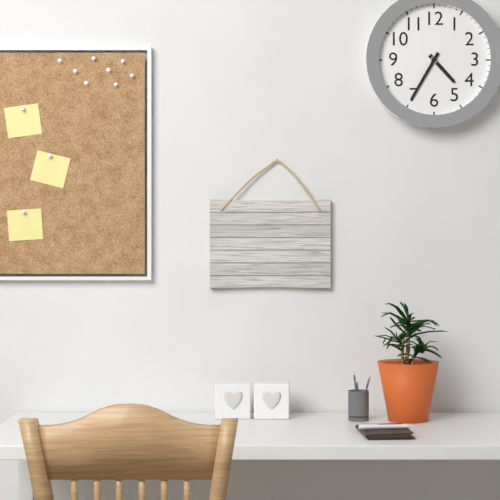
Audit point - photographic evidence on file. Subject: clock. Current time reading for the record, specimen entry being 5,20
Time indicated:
4,35
